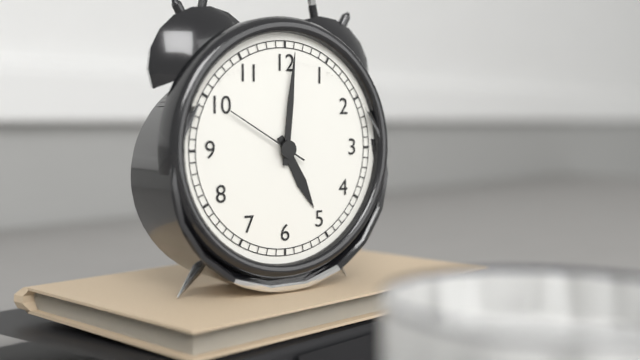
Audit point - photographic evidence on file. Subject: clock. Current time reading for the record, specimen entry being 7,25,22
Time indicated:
5,01,50
